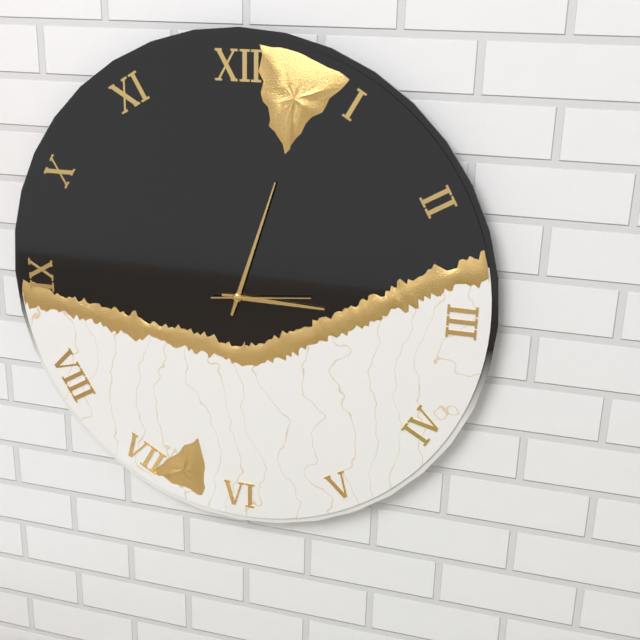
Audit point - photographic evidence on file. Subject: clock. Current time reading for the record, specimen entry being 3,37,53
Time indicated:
3,03,14
